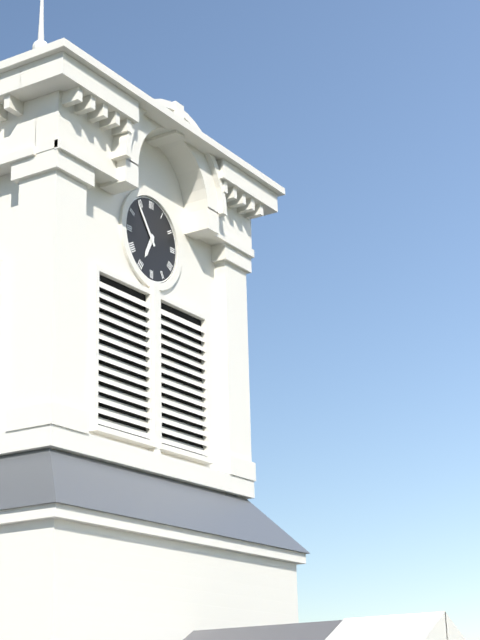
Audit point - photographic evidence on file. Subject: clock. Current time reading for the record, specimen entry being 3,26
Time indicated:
6,54
